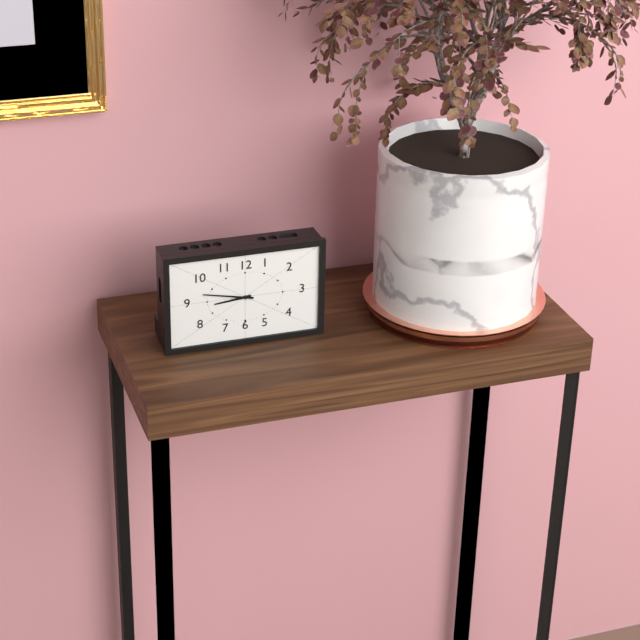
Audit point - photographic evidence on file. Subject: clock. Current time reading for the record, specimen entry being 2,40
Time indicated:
8,47
